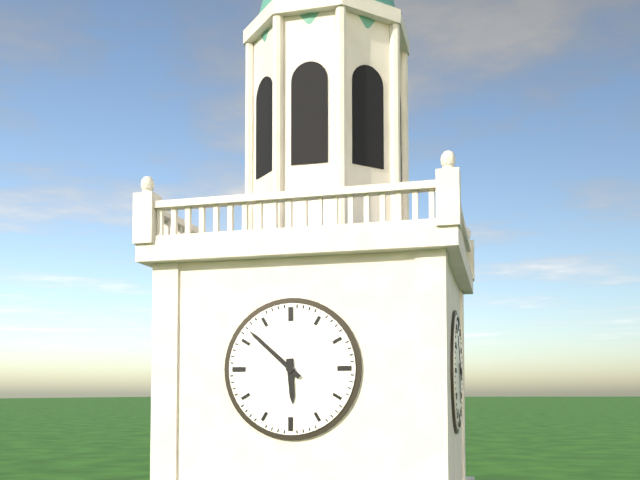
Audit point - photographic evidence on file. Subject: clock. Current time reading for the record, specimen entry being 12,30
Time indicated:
5,52
